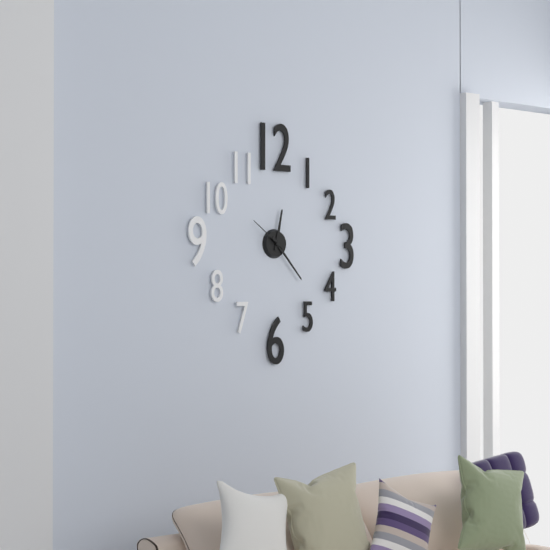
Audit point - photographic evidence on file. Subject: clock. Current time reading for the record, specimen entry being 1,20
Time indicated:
12,23
